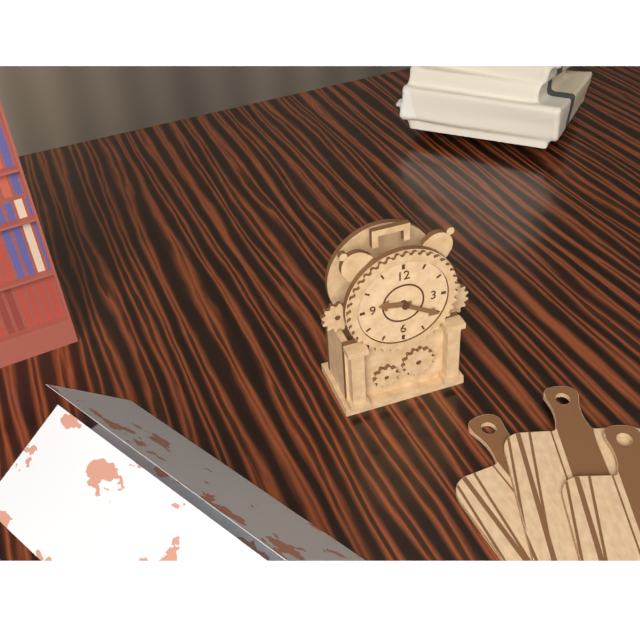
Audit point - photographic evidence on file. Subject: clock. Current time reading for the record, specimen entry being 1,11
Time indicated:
9,20
